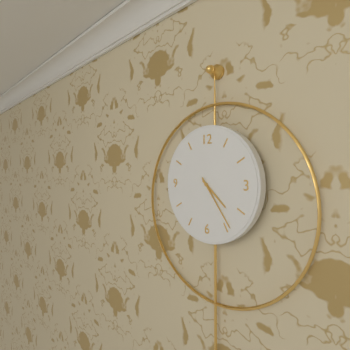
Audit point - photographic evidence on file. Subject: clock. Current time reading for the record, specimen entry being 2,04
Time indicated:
4,24
